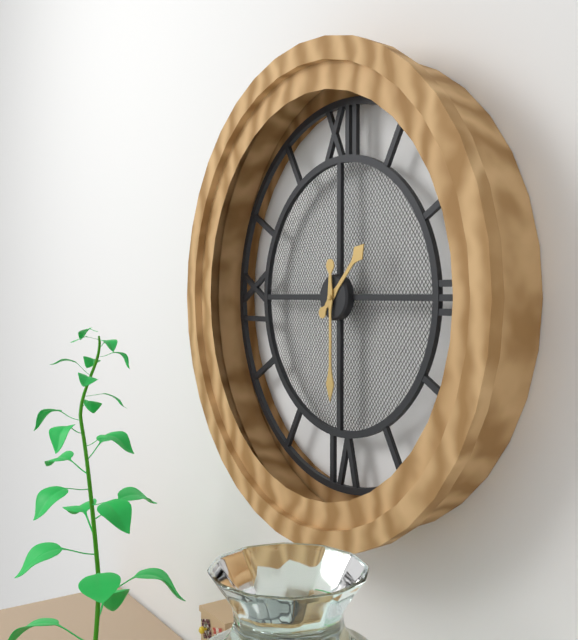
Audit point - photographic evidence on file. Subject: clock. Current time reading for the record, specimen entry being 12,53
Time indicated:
1,30
